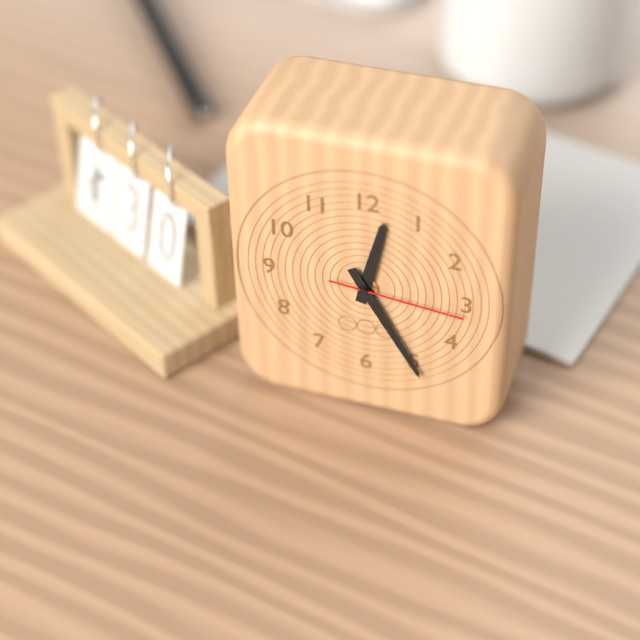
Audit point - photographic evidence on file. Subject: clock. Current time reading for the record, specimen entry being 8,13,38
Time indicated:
12,25,16
